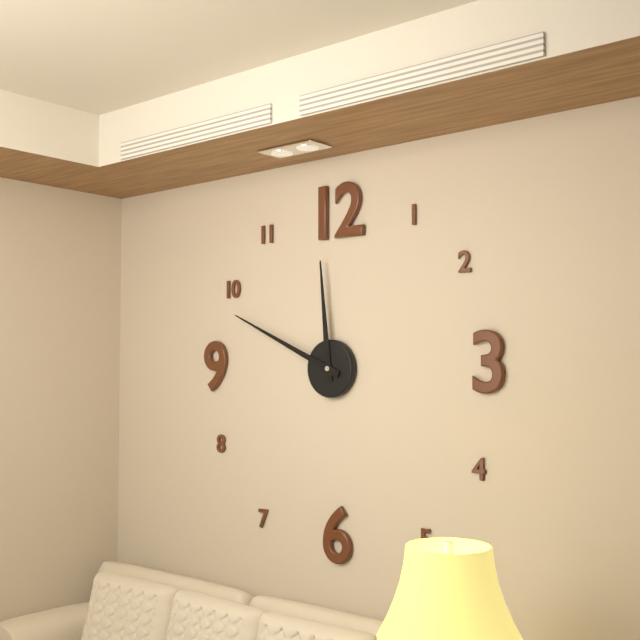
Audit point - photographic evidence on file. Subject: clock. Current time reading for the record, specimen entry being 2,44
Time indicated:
11,49
